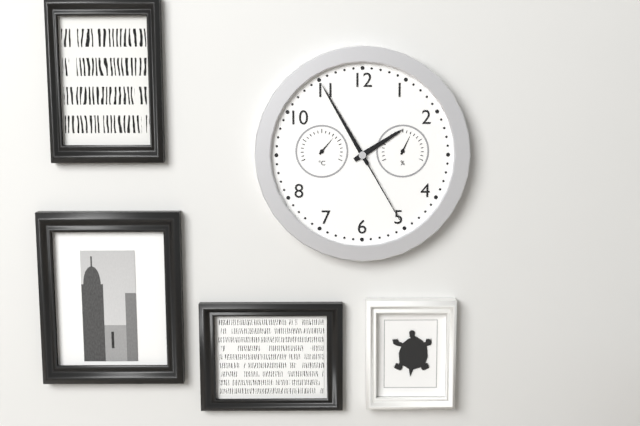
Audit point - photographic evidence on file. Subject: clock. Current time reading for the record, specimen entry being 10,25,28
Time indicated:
1,55,25
